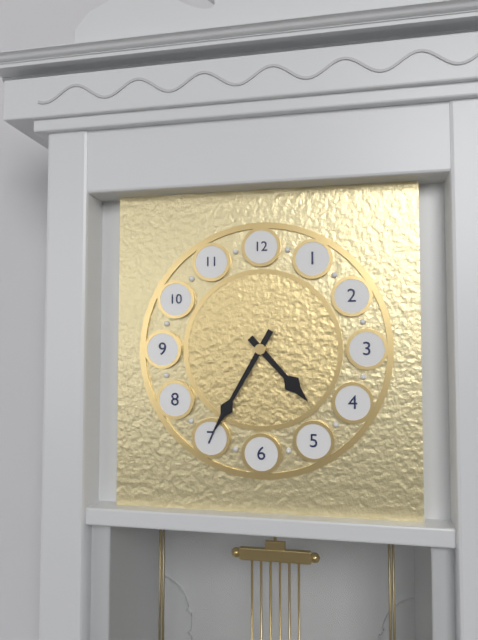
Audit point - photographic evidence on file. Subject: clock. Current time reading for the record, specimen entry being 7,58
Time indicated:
4,35
